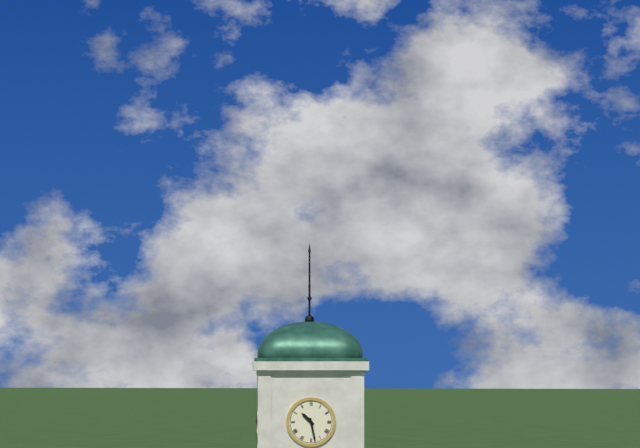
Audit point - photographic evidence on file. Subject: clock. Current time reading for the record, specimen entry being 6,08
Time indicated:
10,28
